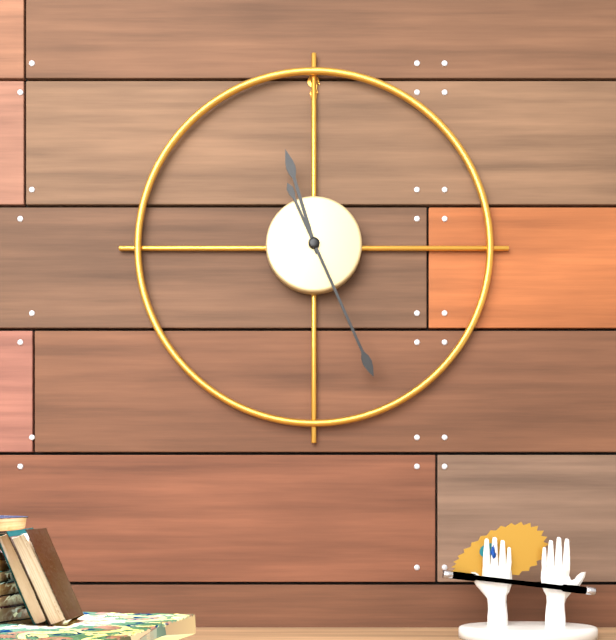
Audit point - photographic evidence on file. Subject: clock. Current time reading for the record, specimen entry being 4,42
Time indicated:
11,26
